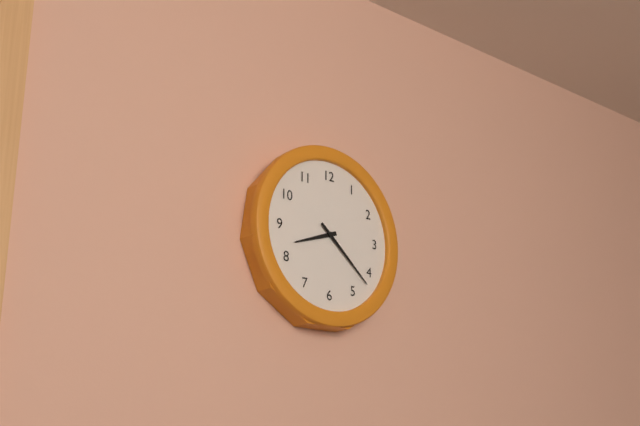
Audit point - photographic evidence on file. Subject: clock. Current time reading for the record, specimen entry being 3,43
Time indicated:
8,22
